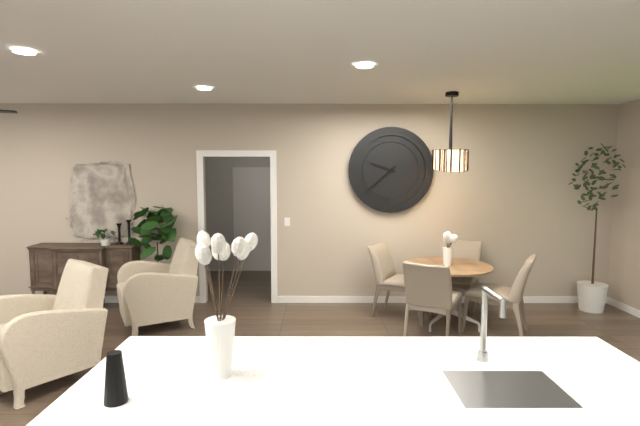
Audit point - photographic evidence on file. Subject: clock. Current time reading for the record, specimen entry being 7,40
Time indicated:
9,38
